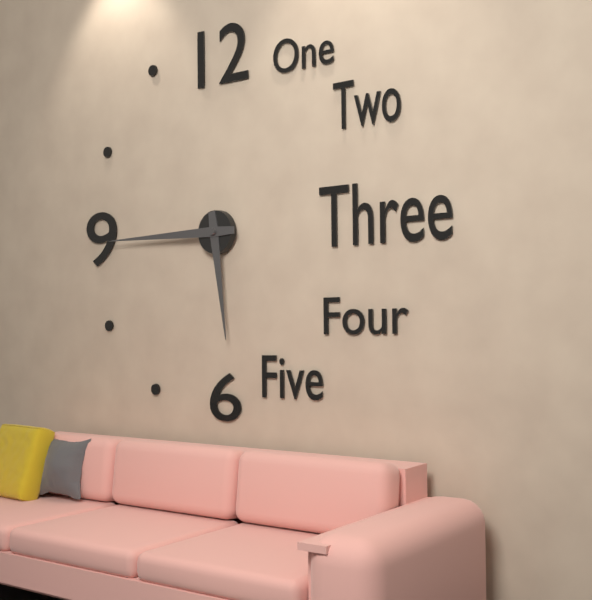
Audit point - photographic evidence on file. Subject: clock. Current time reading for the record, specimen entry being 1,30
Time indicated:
5,45
